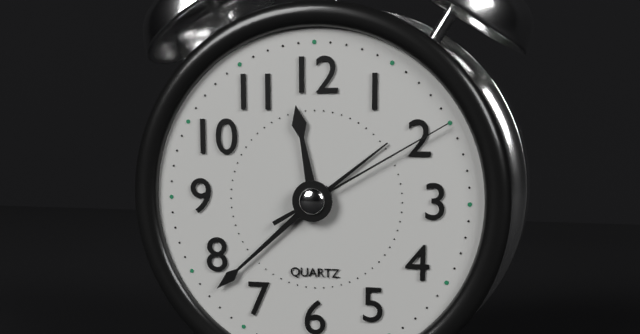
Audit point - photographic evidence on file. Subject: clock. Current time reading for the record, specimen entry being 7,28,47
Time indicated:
11,38,10
